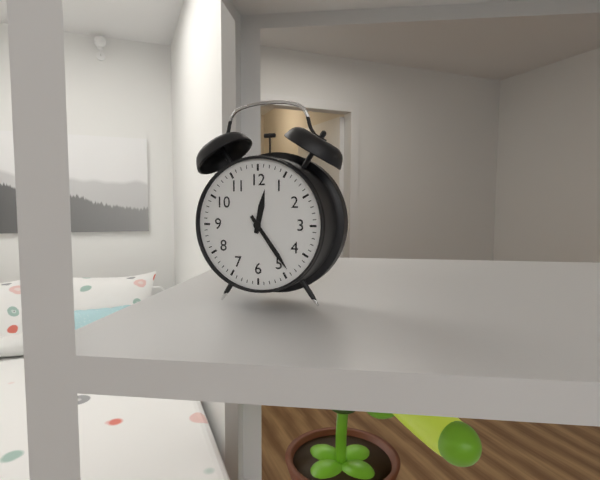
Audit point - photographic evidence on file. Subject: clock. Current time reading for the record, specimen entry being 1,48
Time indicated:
12,24
